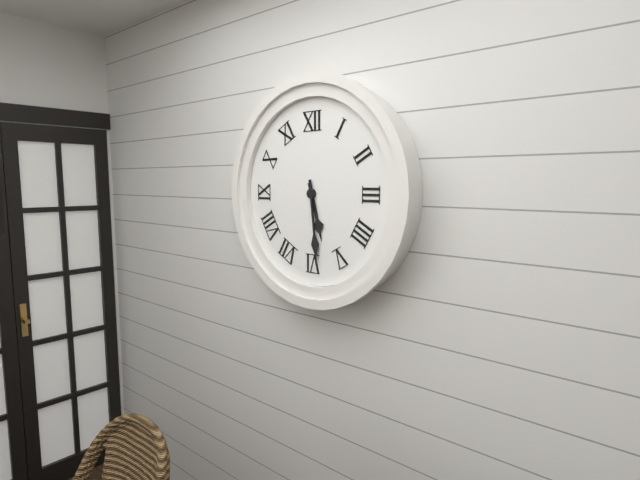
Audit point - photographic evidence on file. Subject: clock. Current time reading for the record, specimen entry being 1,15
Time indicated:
5,29
